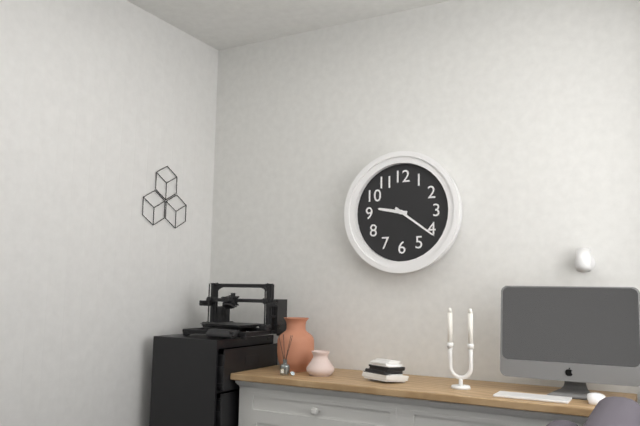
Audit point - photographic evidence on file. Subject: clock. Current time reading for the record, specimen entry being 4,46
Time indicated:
9,21
